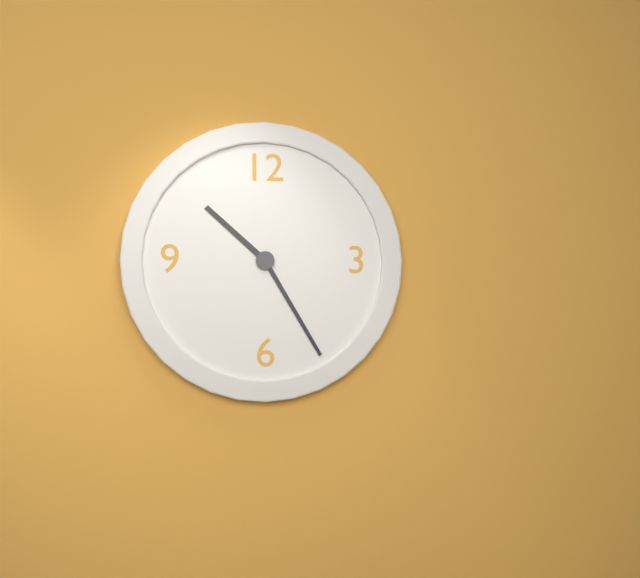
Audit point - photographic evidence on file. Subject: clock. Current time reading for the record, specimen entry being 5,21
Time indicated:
10,25
